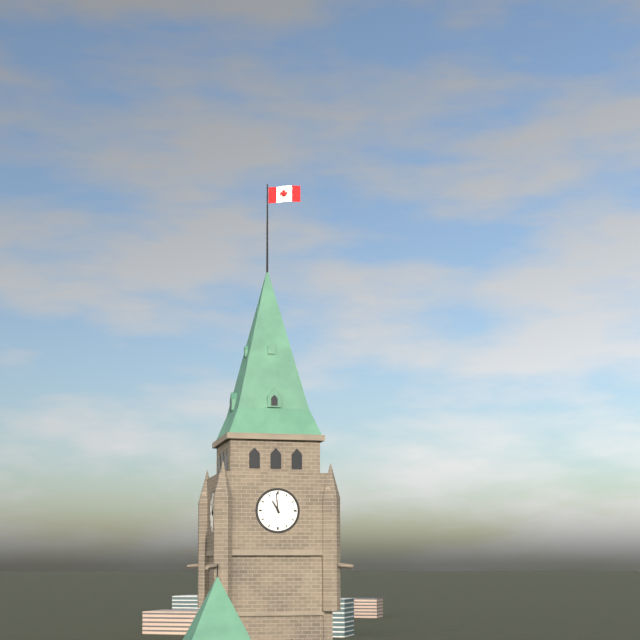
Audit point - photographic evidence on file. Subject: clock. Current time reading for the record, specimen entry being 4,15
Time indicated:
10,59
